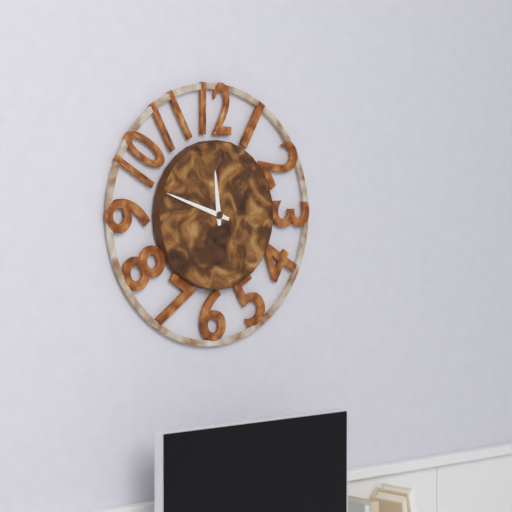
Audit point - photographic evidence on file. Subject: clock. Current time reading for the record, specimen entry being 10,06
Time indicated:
11,48
